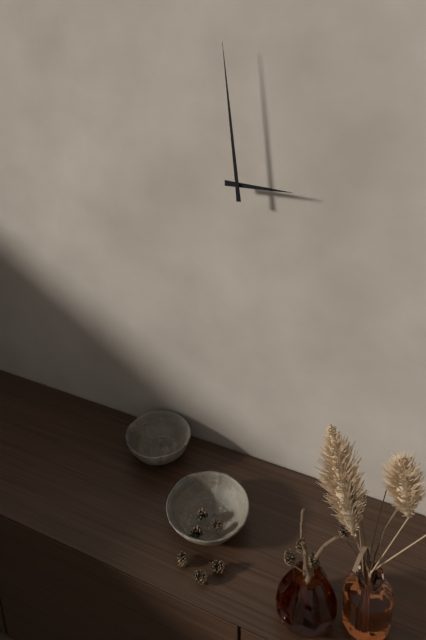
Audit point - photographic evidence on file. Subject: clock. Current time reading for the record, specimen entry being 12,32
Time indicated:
2,59
